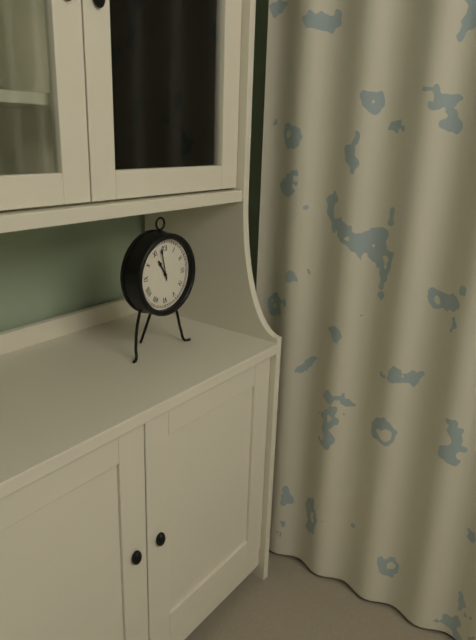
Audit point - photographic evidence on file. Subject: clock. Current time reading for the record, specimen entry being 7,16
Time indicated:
10,58
